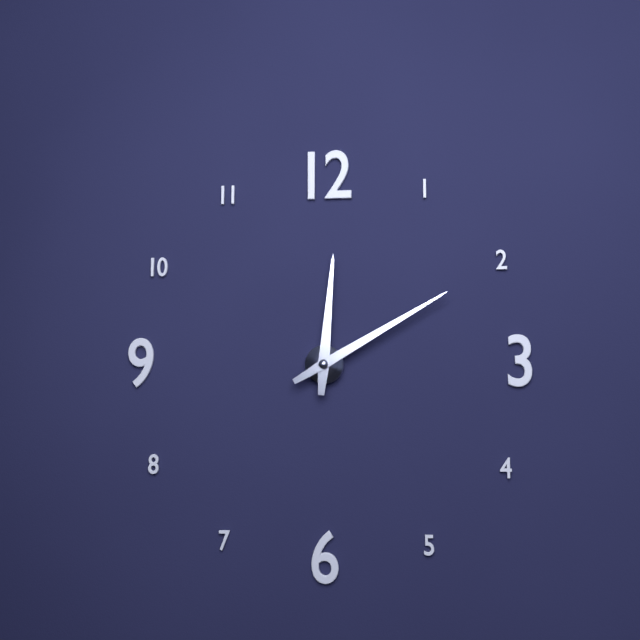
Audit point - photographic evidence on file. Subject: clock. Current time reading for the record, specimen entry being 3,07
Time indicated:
12,10
